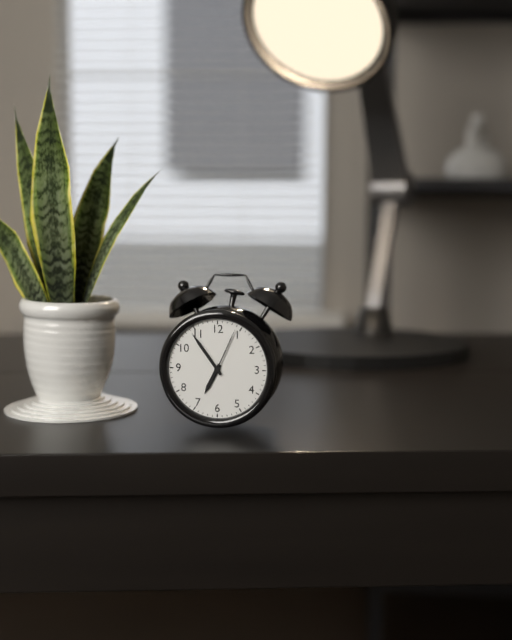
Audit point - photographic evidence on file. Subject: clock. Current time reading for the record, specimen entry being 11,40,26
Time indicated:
6,54,04
